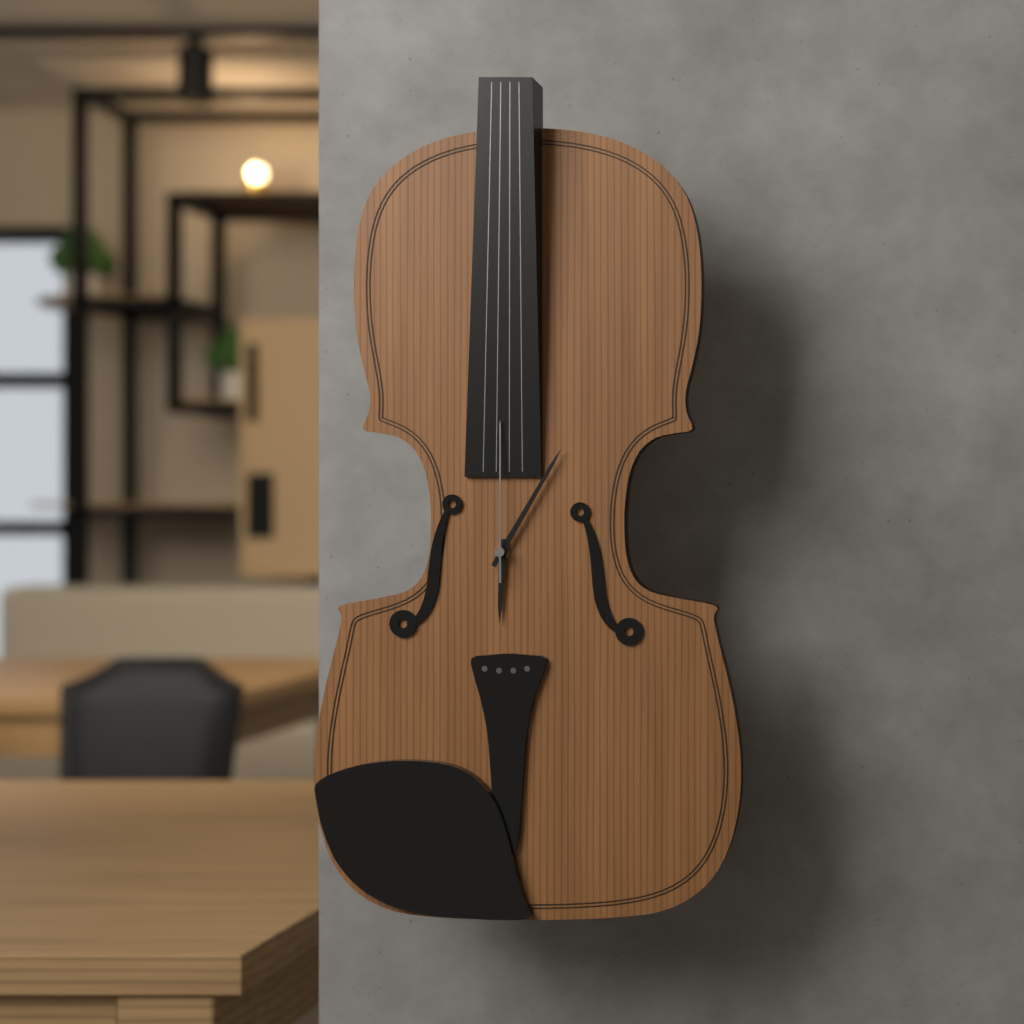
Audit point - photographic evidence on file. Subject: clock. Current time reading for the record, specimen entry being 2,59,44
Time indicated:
6,05,00
